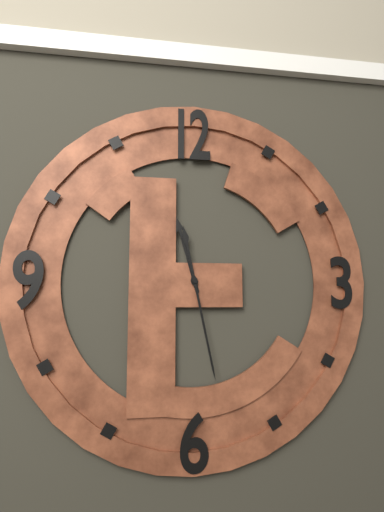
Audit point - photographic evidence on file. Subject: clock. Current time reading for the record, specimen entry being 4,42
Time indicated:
11,28
